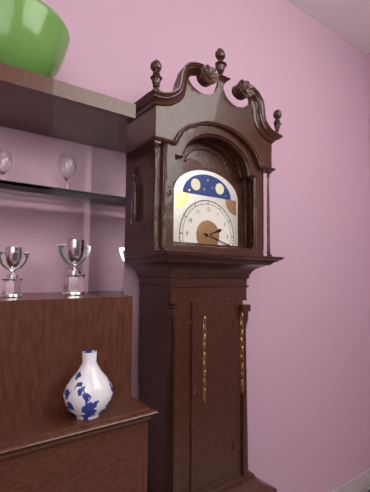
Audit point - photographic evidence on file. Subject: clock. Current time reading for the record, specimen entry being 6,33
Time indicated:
2,18
